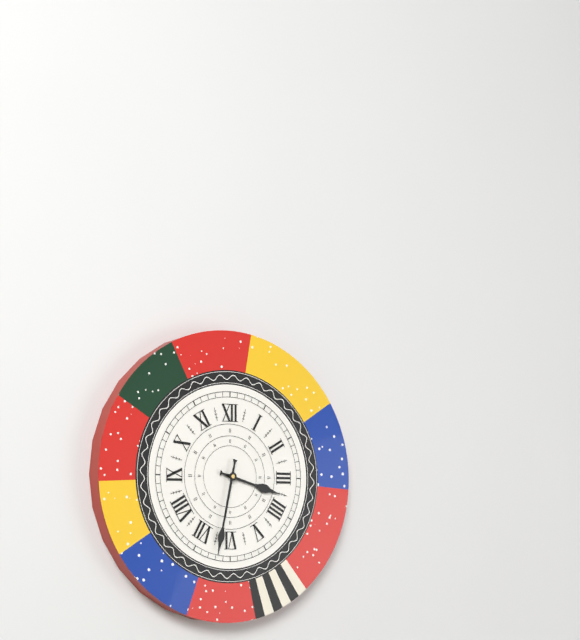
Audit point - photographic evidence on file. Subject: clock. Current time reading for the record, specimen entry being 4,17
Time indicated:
3,32
